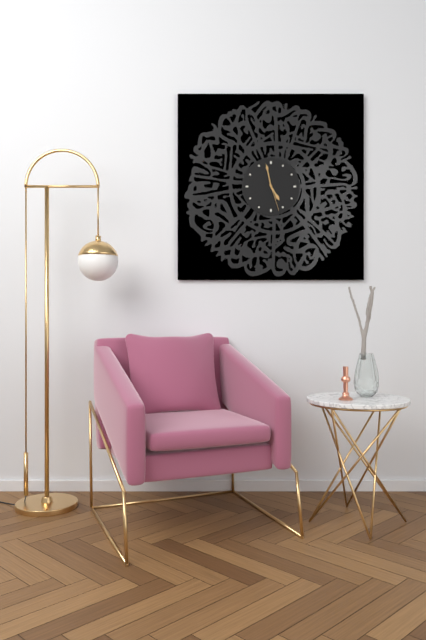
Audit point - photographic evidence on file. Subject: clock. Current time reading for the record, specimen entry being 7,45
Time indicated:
4,58
